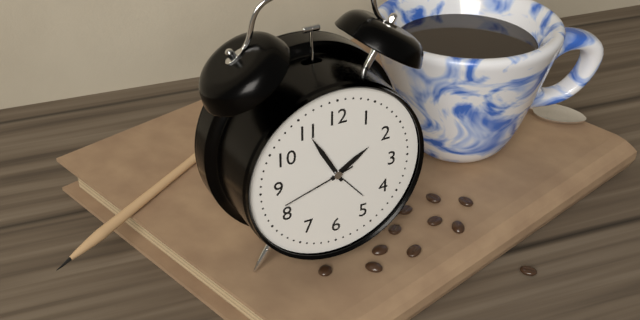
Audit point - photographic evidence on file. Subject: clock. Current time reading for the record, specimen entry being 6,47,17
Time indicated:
1,55,42
